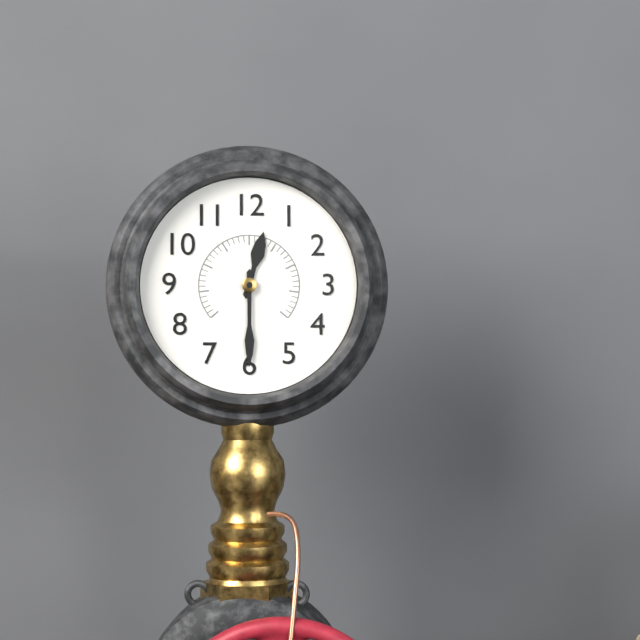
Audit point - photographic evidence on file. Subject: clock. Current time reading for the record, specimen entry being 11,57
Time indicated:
12,30
